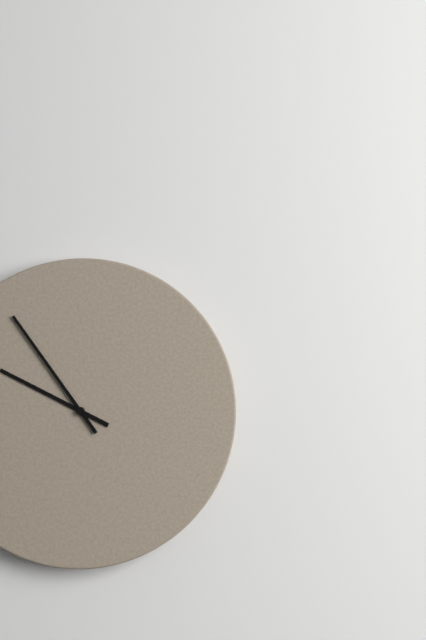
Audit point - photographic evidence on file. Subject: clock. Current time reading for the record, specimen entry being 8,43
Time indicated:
9,54
